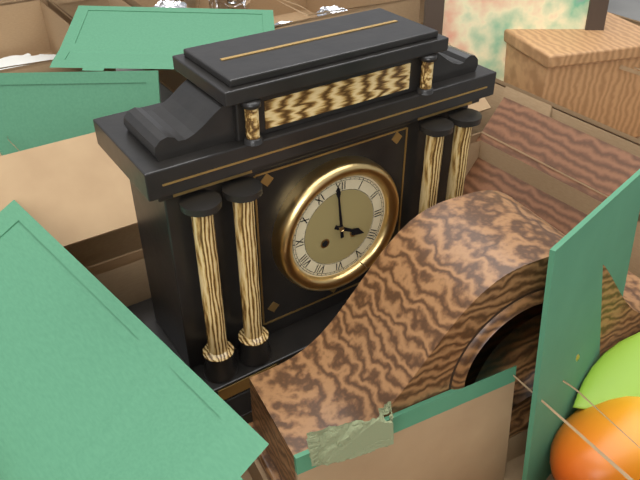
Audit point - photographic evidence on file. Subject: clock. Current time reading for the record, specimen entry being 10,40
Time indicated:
3,59
